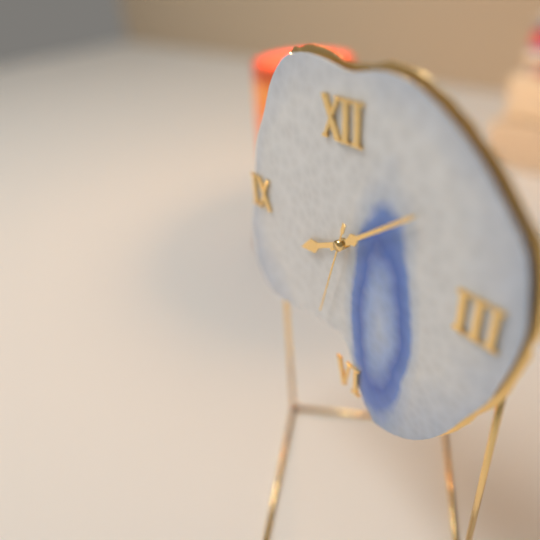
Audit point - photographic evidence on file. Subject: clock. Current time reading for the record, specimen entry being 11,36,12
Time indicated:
8,09,33
